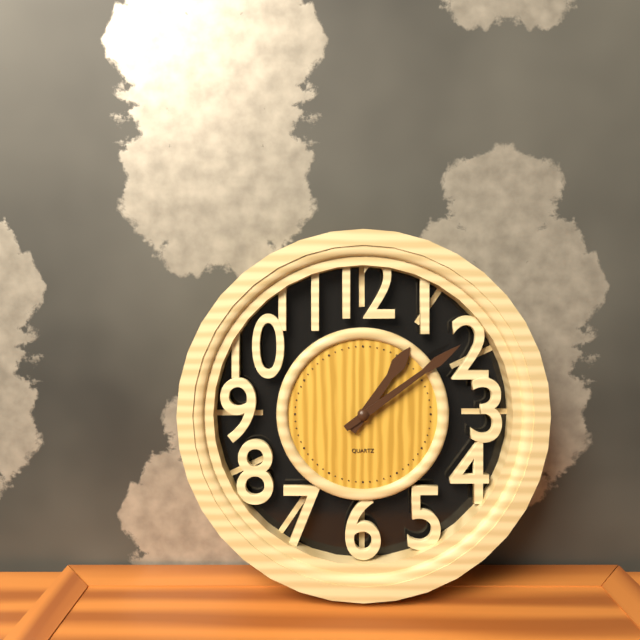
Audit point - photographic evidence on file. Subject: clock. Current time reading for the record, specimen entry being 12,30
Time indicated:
1,09
